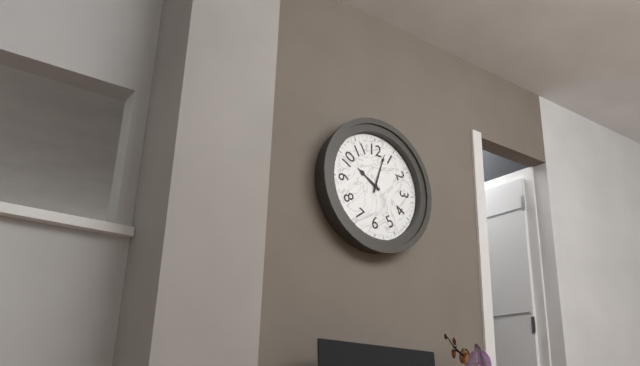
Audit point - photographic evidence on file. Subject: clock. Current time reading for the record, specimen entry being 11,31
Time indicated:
10,03
